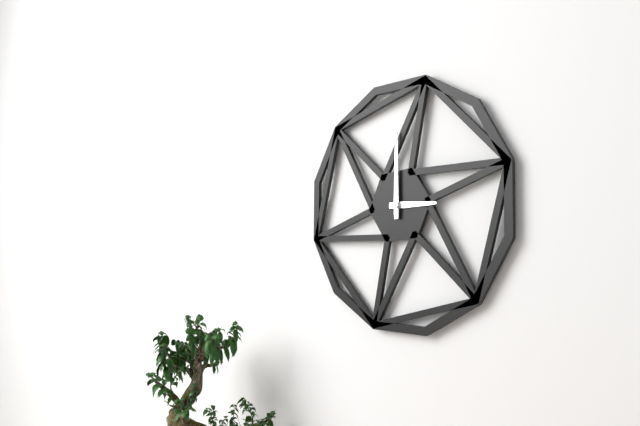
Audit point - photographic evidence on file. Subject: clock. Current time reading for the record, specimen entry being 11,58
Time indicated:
3,00
